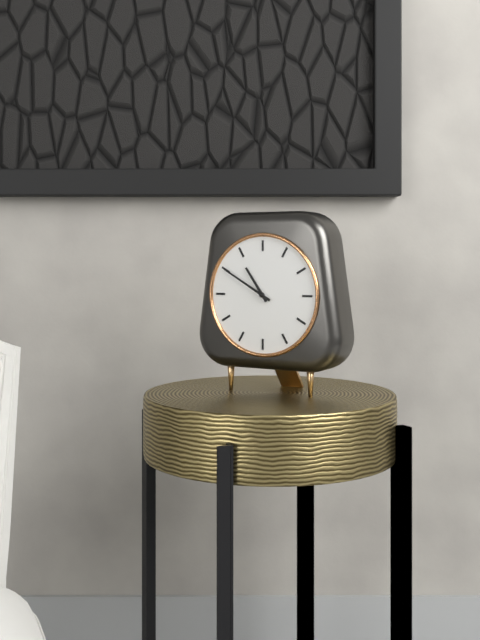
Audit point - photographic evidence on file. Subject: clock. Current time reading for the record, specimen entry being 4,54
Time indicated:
10,50
